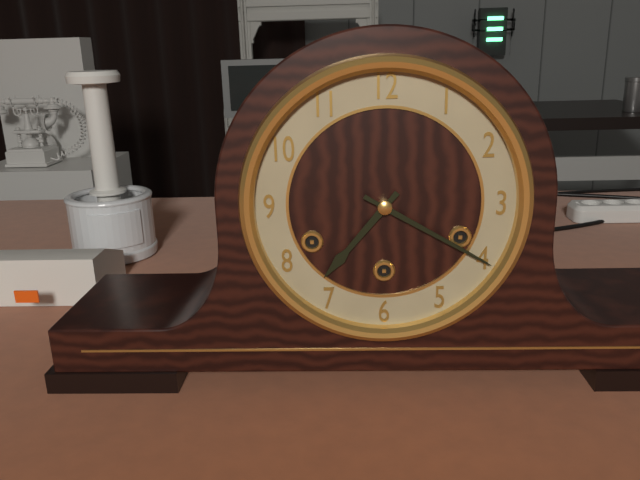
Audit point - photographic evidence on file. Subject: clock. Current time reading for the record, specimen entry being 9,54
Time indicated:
7,20
